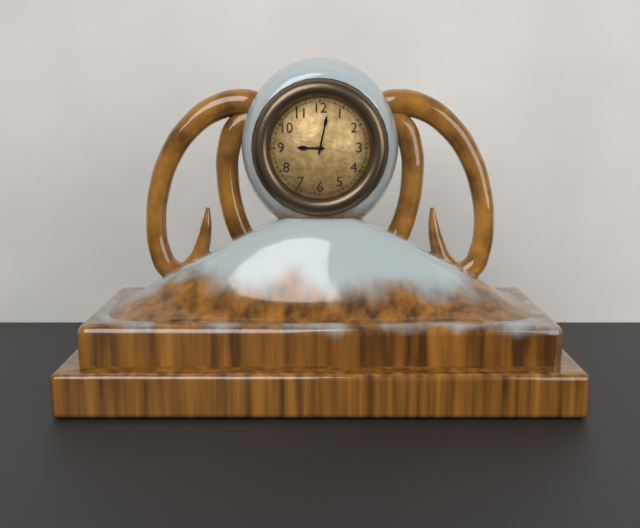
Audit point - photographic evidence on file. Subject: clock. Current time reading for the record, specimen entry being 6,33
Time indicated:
9,02
